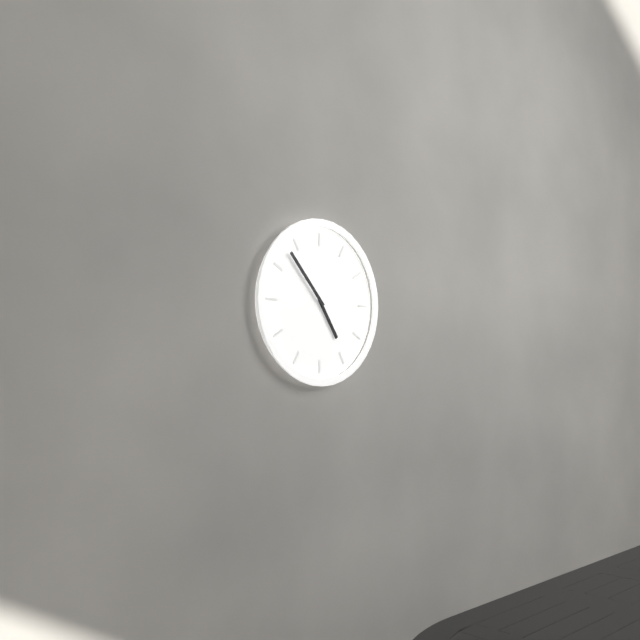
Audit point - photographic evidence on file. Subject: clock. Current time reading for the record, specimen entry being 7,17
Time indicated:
4,53
